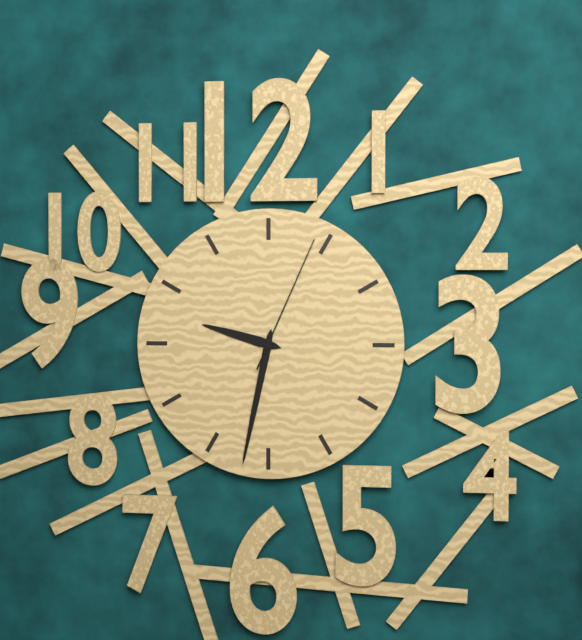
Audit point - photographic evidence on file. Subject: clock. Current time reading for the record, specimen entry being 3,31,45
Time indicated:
9,32,04
